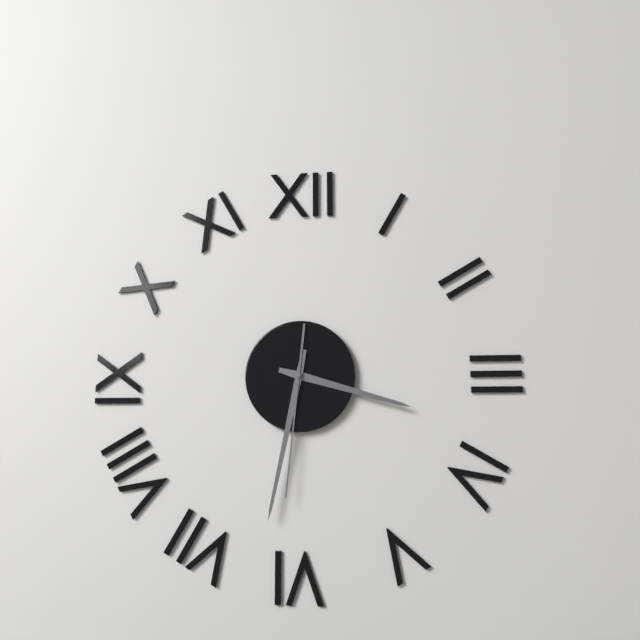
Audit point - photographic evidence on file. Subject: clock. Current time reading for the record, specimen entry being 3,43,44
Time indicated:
3,32,31
